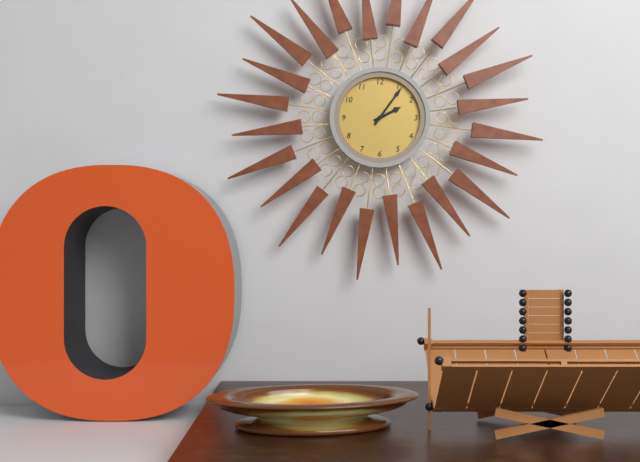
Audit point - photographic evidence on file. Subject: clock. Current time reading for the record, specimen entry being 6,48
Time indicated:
2,06
